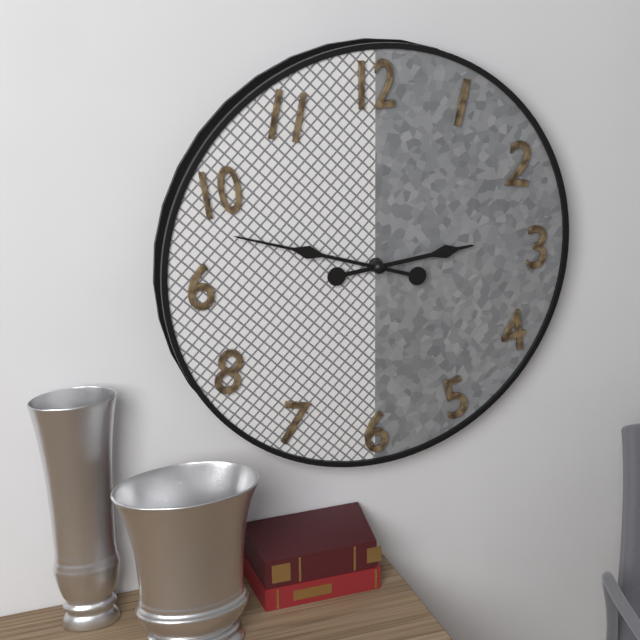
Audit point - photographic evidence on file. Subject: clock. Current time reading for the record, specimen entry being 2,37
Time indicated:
2,48
